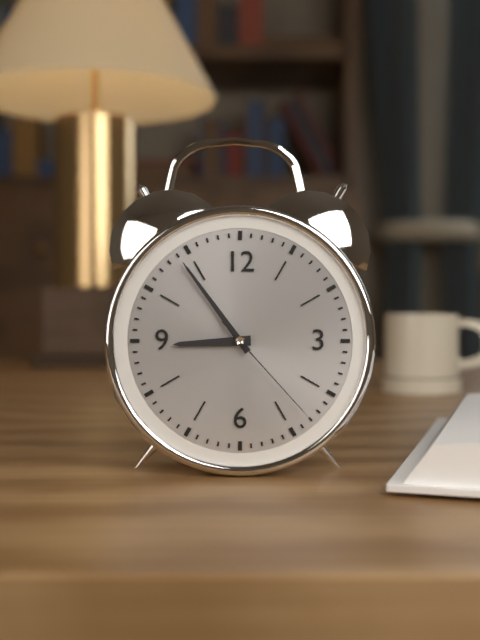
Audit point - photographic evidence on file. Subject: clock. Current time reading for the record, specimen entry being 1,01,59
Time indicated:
8,54,23
